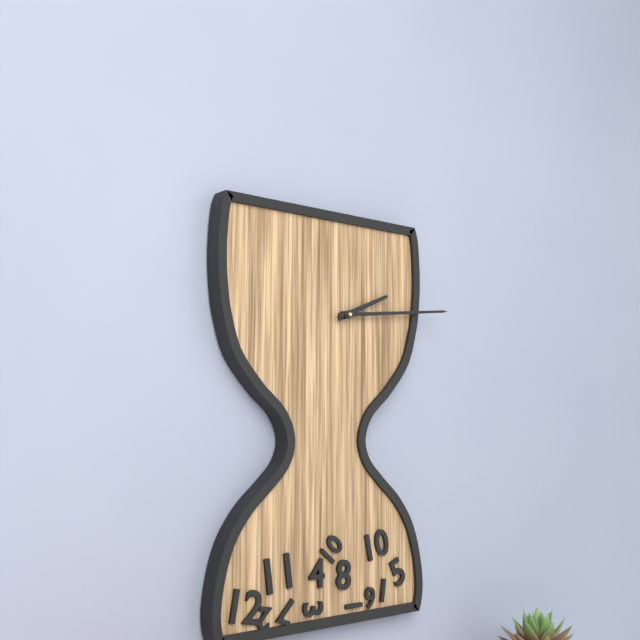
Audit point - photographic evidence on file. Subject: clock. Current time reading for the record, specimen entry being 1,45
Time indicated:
2,14
